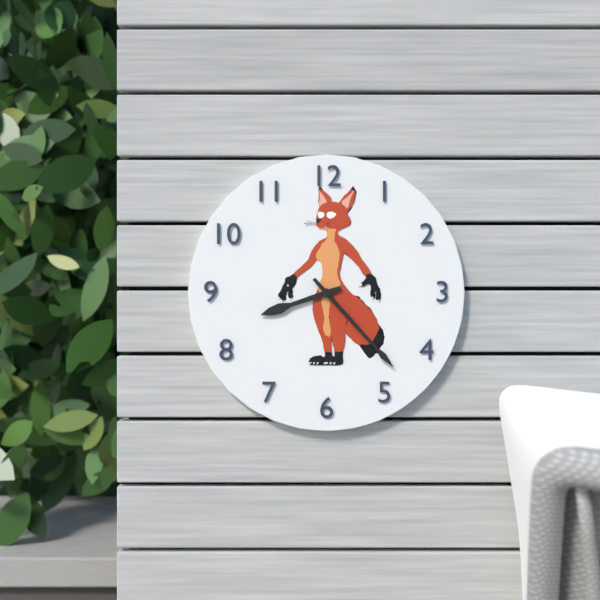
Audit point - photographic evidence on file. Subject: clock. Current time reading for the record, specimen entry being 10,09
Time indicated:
8,23
